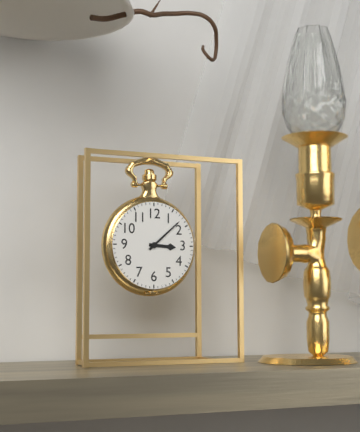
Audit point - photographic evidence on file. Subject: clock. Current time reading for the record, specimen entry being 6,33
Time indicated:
3,08
